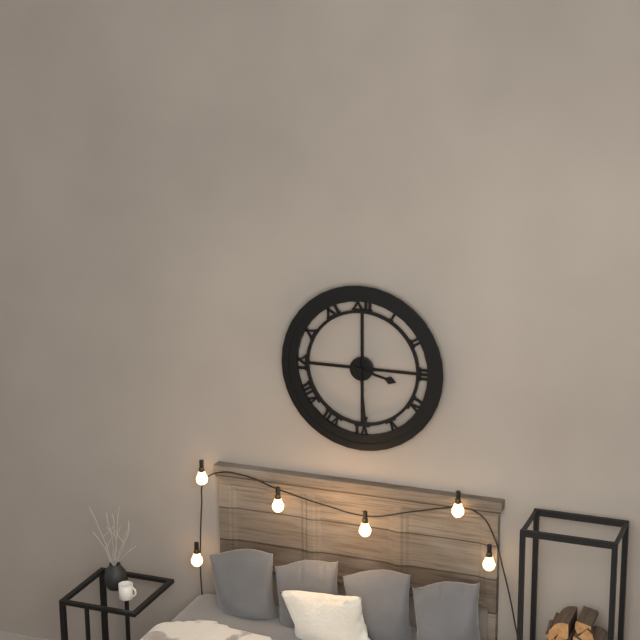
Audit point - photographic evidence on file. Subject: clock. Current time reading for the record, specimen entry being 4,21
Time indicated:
3,29
